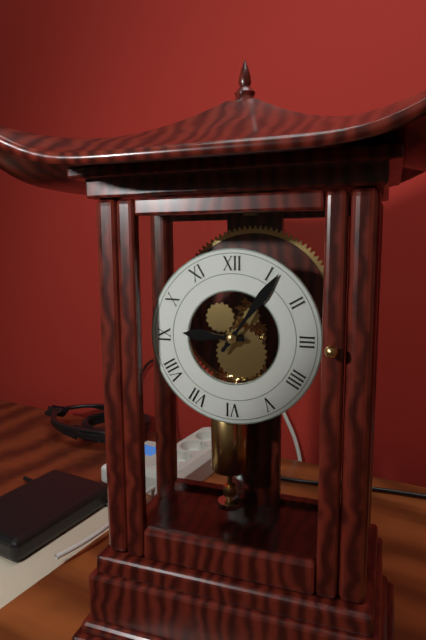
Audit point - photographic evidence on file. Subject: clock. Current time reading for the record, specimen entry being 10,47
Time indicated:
9,06
